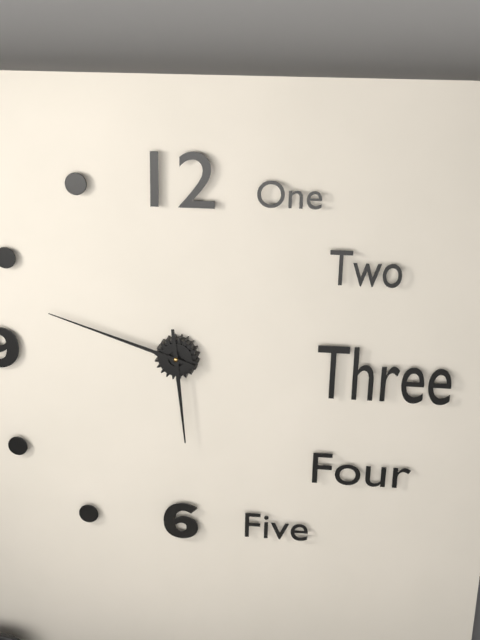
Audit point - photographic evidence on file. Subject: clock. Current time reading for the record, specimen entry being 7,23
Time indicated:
5,48
